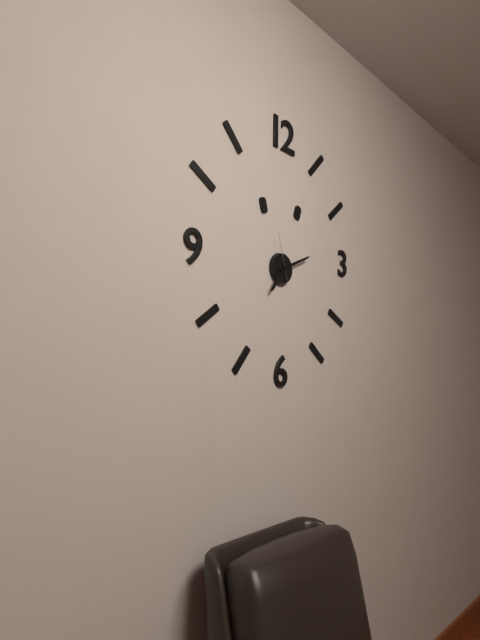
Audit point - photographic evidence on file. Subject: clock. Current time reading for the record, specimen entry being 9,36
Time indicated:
7,11
